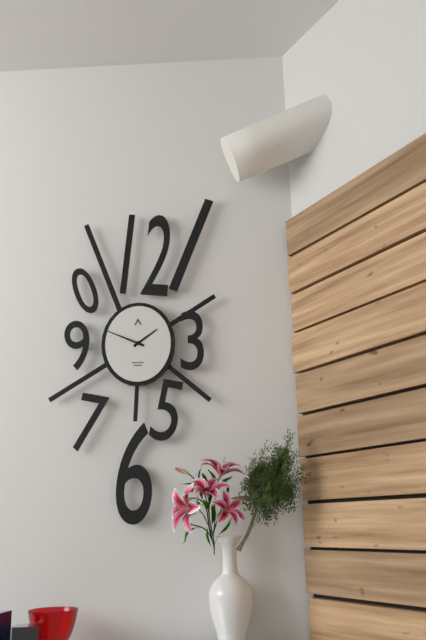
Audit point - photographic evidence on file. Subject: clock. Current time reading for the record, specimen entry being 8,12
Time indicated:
1,49
